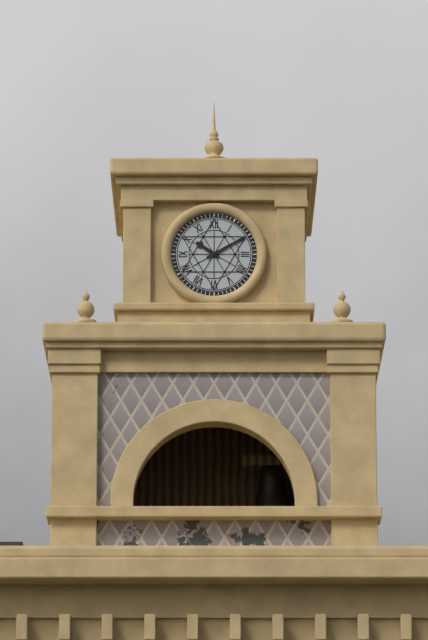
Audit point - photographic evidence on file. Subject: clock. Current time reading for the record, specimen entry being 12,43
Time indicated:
10,10
